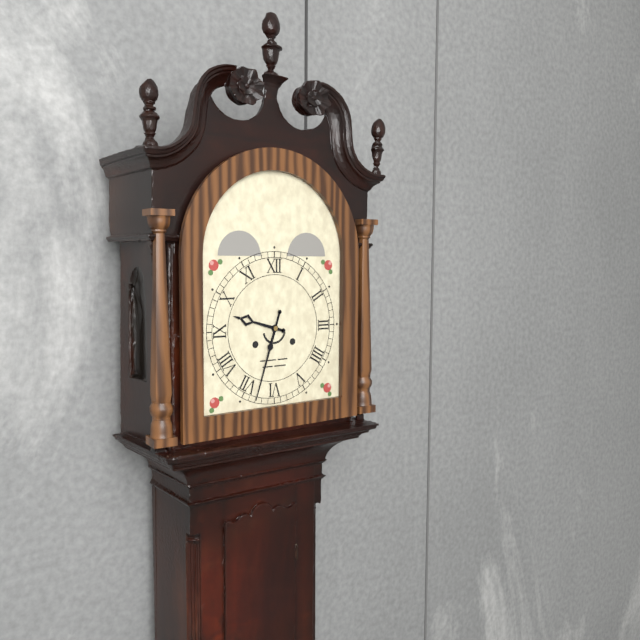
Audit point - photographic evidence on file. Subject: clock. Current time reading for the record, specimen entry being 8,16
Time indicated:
9,33
